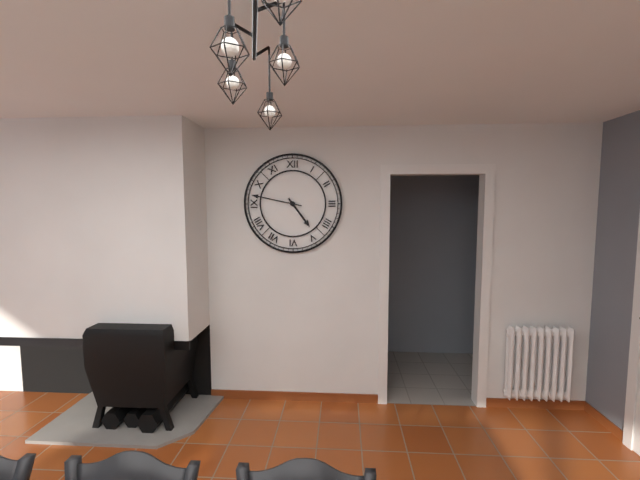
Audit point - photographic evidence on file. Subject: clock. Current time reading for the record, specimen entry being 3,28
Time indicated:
4,47
